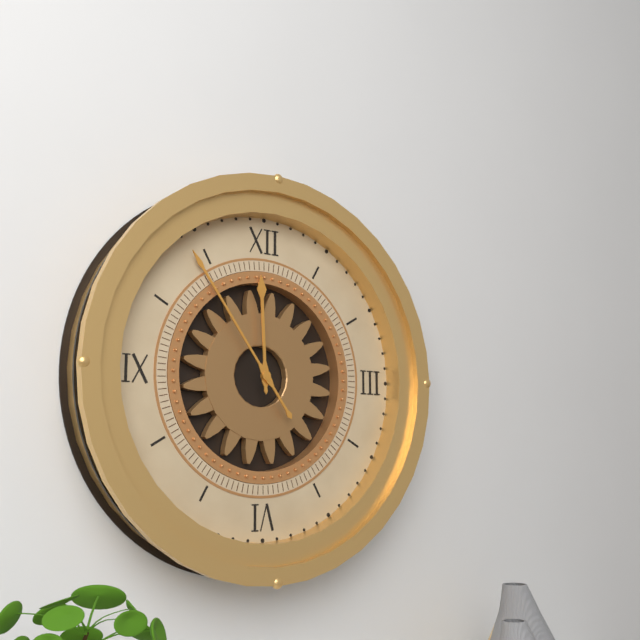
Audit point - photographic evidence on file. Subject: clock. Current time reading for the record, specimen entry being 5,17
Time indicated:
11,54
